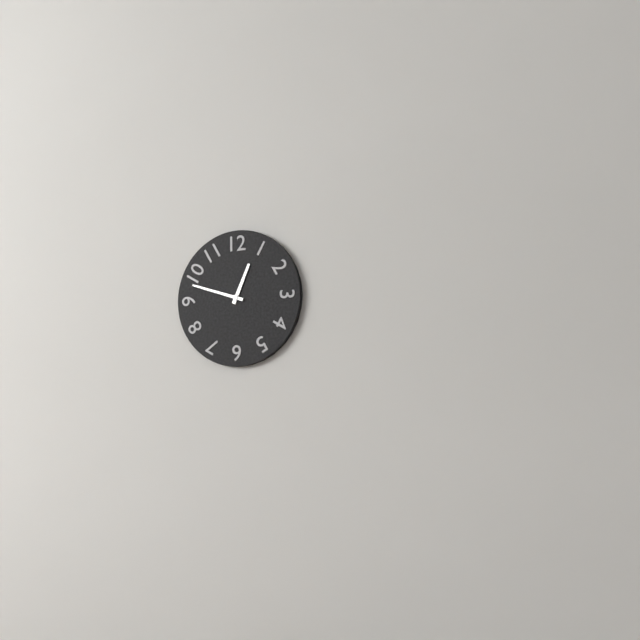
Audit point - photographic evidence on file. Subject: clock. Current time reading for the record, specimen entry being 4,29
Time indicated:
12,48
